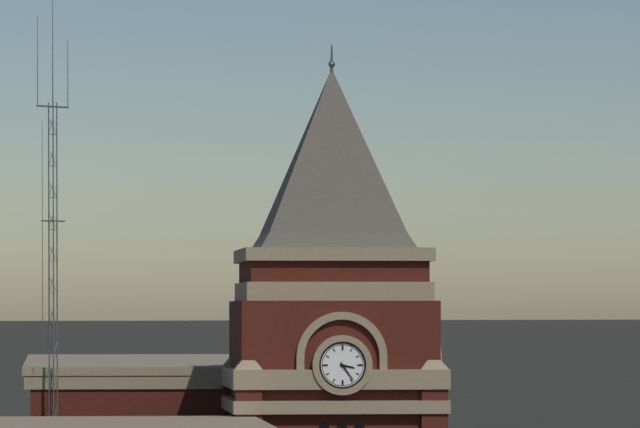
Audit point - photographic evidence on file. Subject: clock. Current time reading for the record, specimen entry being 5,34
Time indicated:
3,24
